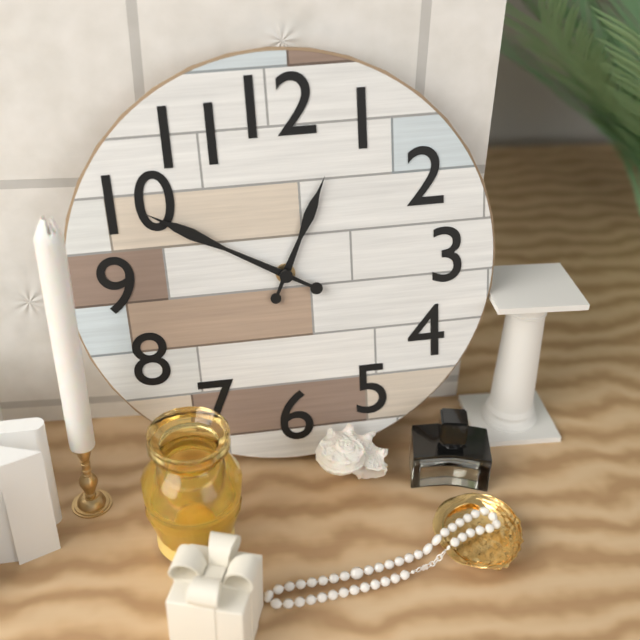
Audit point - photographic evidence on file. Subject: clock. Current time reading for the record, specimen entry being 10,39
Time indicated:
12,50
